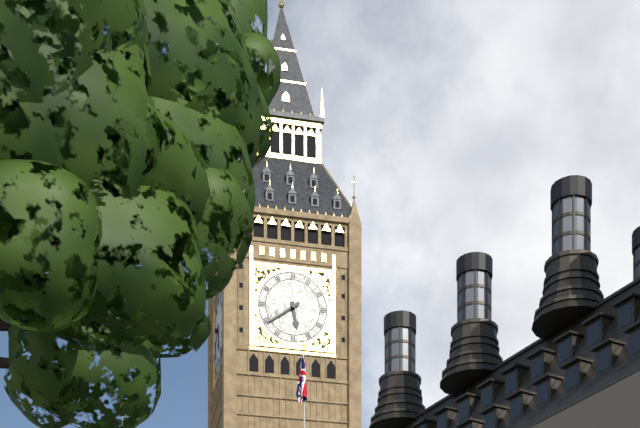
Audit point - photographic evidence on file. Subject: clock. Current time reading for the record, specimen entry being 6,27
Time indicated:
5,39
